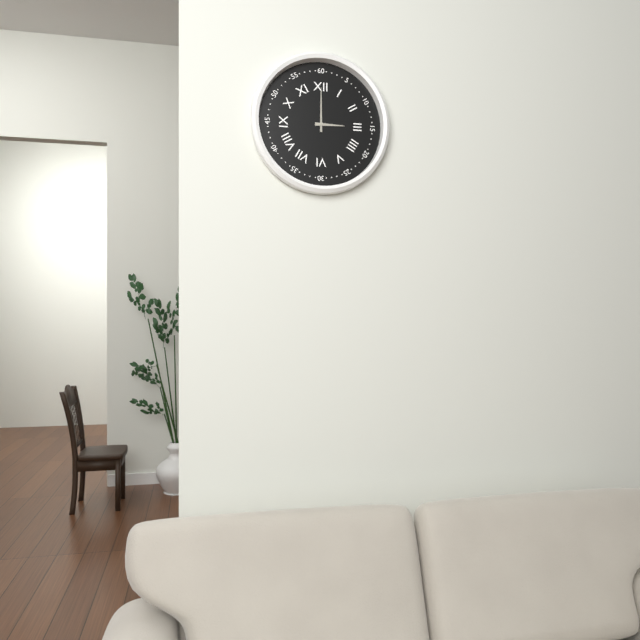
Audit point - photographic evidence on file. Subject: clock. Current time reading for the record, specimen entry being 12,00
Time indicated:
3,00
